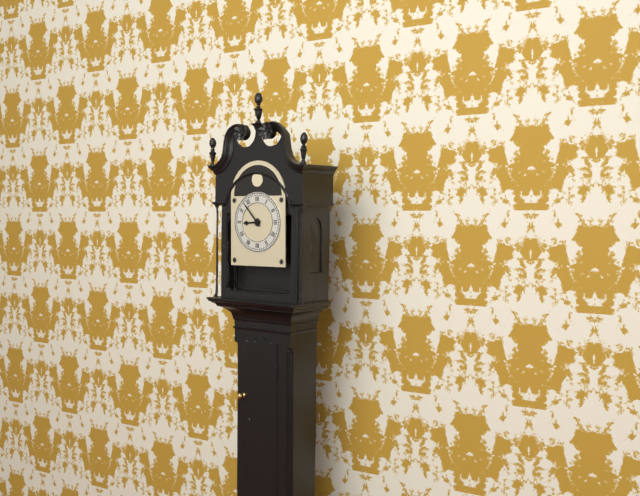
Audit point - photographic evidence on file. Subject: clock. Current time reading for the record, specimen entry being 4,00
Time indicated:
8,53
